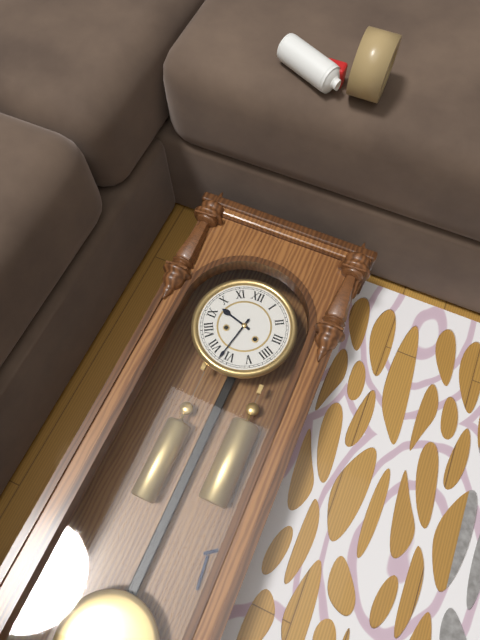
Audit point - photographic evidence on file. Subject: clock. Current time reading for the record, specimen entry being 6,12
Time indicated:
9,32
